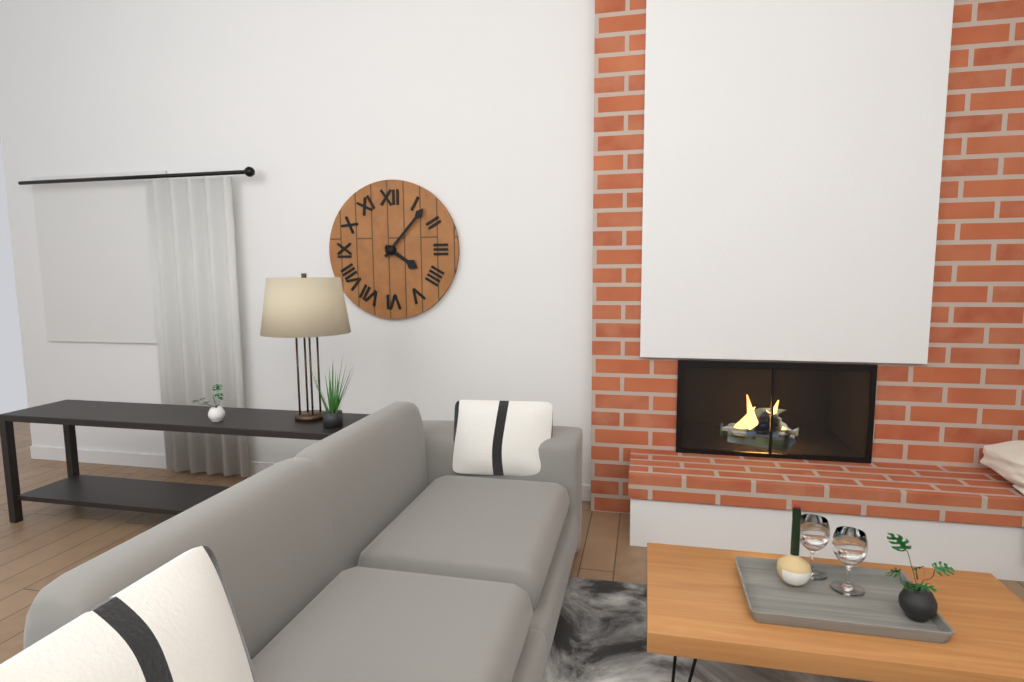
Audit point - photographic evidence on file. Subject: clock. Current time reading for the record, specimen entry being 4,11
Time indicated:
4,07
